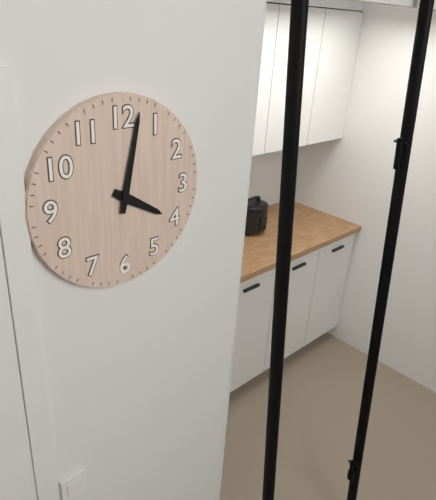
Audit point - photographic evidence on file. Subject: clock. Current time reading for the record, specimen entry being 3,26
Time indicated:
4,02
